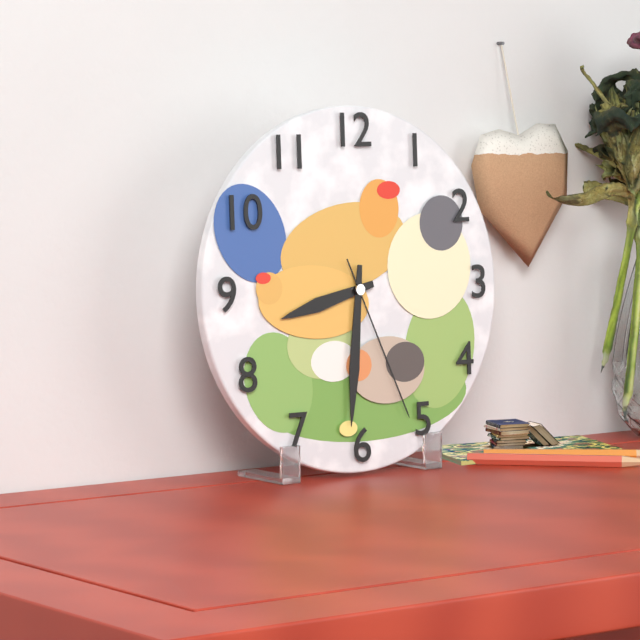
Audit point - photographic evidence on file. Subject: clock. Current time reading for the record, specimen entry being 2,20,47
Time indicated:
8,31,26
